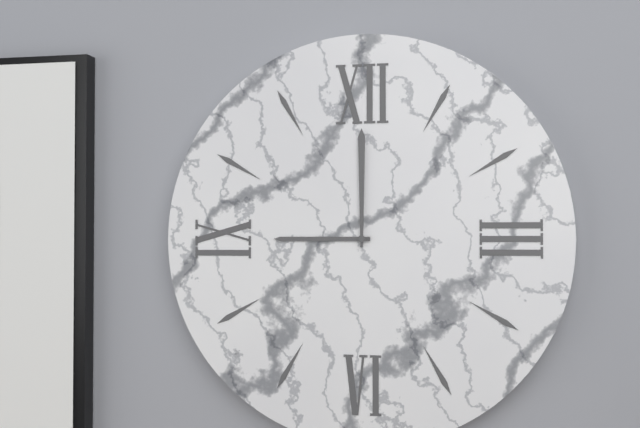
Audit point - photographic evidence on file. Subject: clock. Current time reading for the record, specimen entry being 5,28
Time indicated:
9,00
